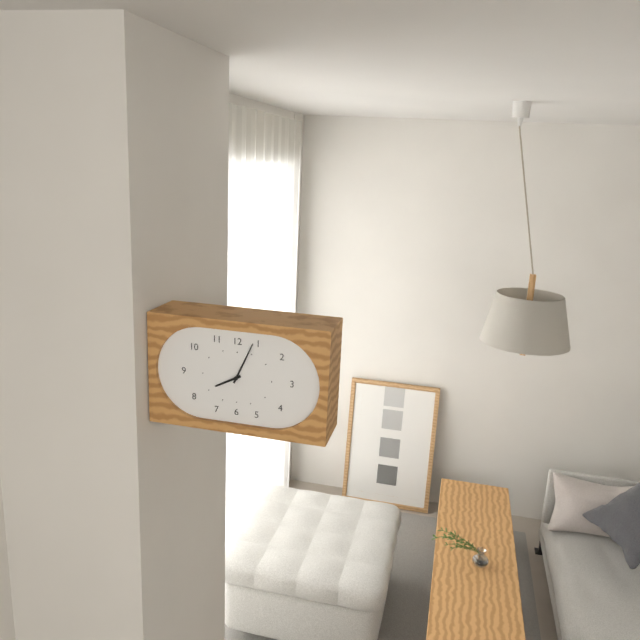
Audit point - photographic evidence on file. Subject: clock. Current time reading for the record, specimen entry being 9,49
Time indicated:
8,04
